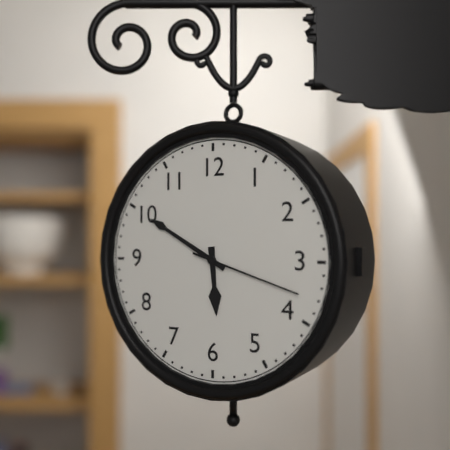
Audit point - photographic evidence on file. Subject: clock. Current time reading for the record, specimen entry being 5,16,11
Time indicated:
5,50,18
